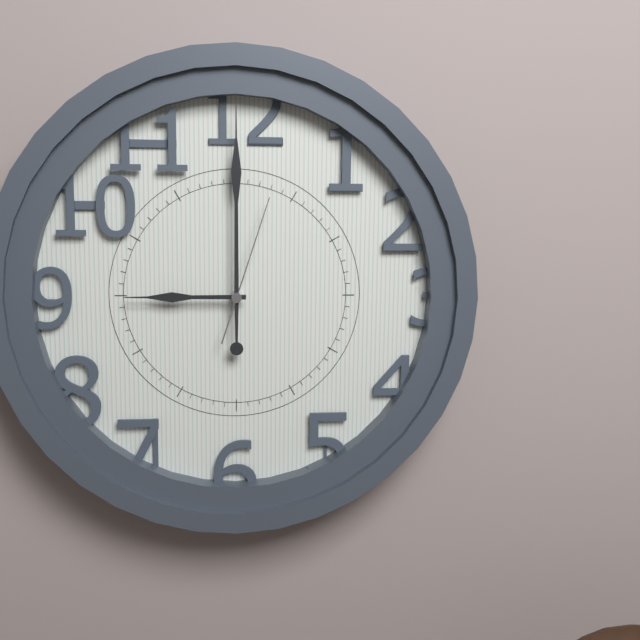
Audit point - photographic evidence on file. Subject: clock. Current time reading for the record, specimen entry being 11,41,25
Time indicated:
9,00,03
